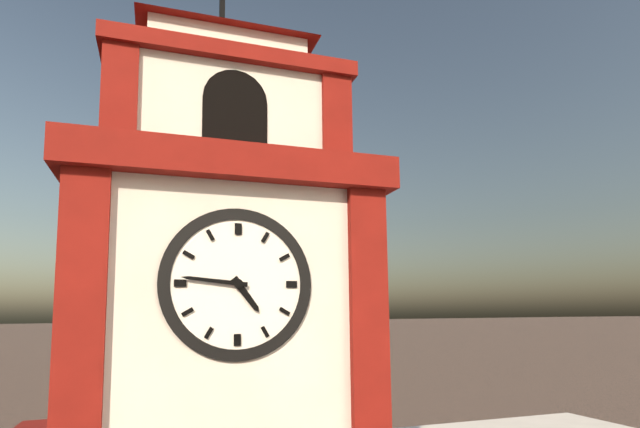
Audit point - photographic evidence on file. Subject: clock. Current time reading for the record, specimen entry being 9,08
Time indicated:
4,46
